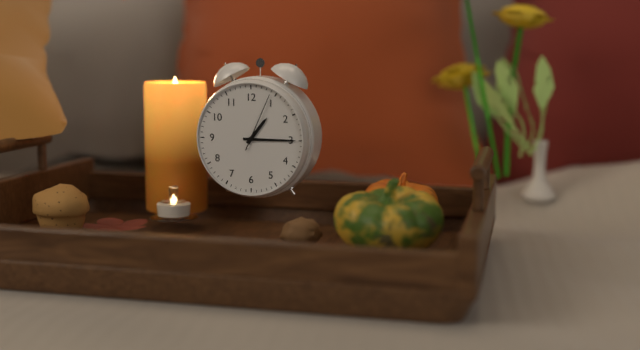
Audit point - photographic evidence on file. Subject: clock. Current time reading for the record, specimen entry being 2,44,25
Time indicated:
1,15,04
